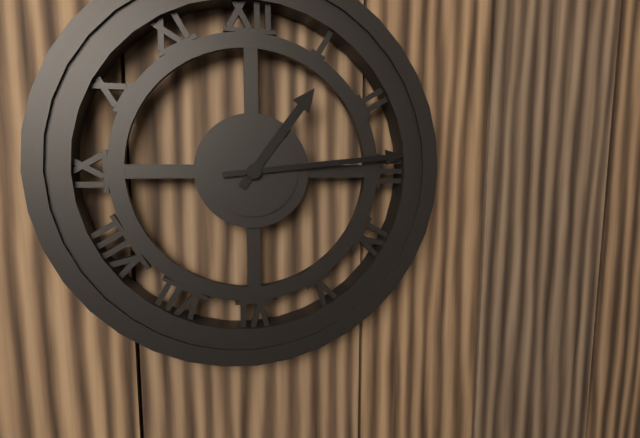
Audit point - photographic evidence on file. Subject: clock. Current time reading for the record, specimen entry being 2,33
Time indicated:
1,14
